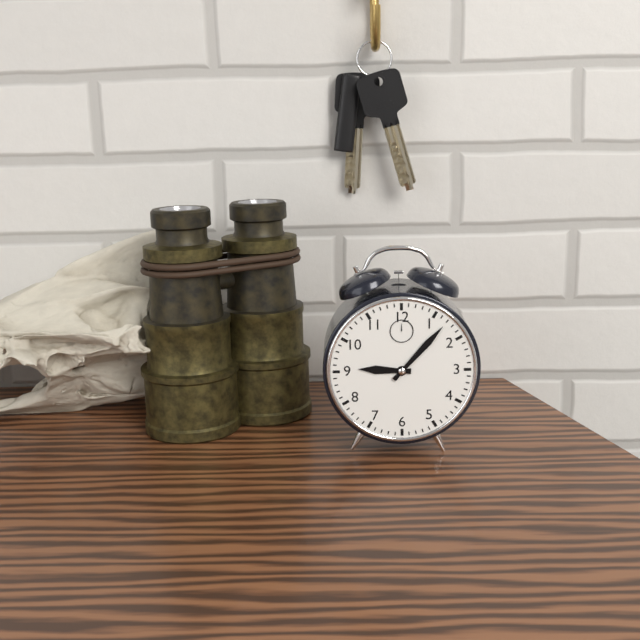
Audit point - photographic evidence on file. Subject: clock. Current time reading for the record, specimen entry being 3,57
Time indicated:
9,07
